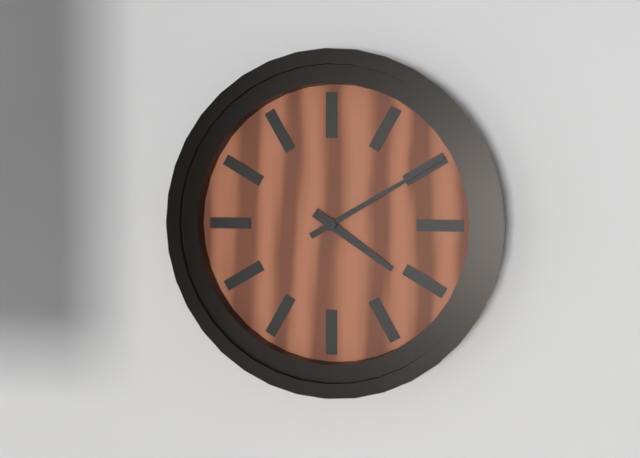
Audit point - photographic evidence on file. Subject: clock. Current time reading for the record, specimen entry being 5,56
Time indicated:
4,10
